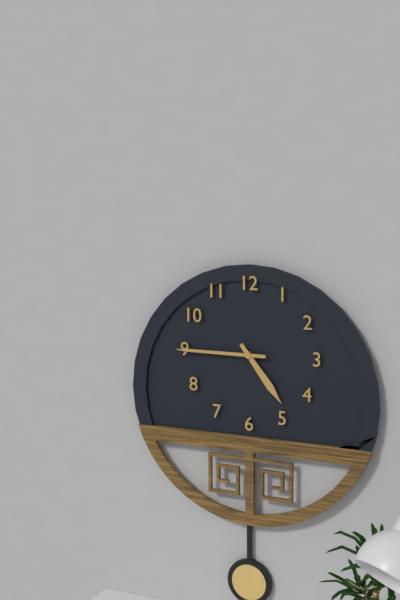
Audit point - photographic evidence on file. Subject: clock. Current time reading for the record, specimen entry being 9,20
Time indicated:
4,45
